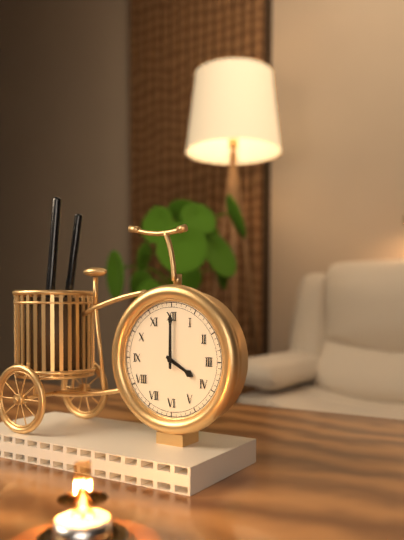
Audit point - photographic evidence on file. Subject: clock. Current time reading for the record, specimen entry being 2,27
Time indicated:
4,00
